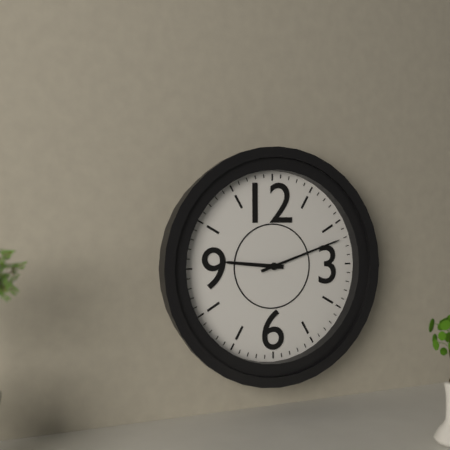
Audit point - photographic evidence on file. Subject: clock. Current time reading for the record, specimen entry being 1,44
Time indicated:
9,12
